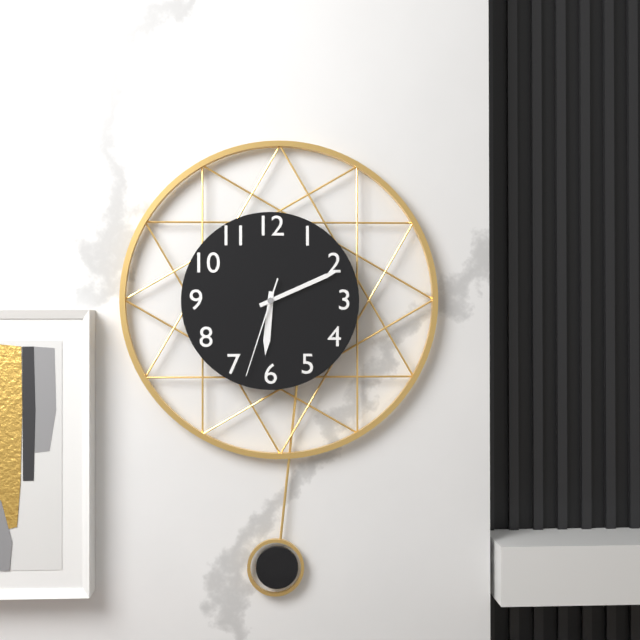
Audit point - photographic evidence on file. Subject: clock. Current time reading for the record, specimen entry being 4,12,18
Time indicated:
6,11,33
